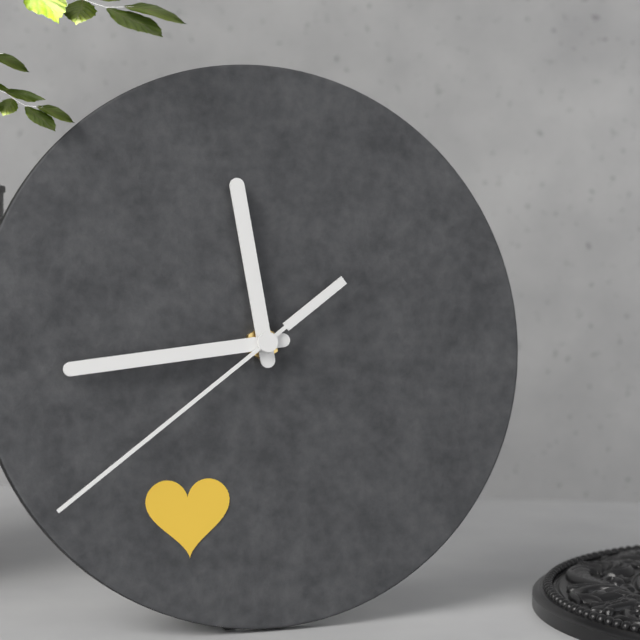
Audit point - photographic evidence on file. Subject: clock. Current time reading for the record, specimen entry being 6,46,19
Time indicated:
11,44,39
